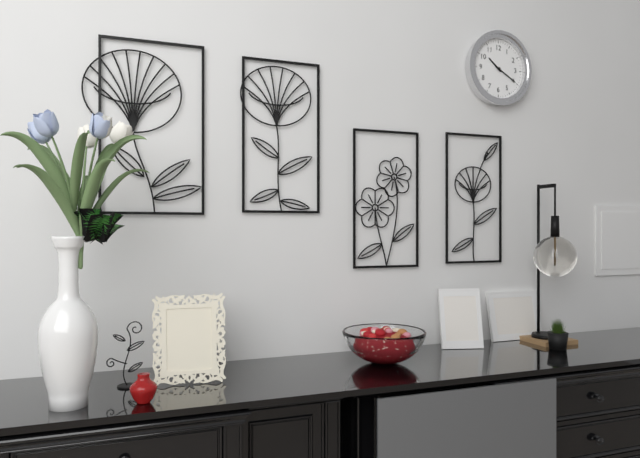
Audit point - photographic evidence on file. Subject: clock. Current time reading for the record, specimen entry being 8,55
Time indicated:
10,20
